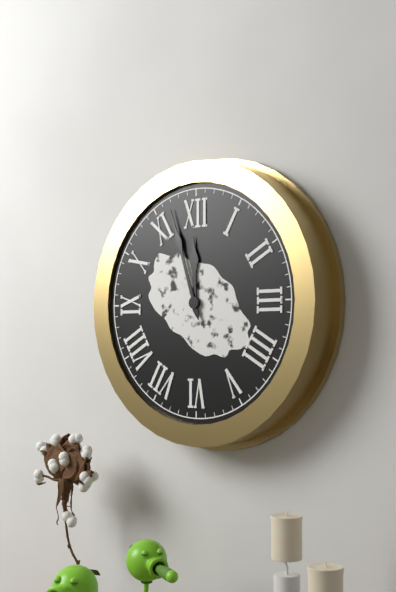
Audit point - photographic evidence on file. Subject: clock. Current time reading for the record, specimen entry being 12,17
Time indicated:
11,57
